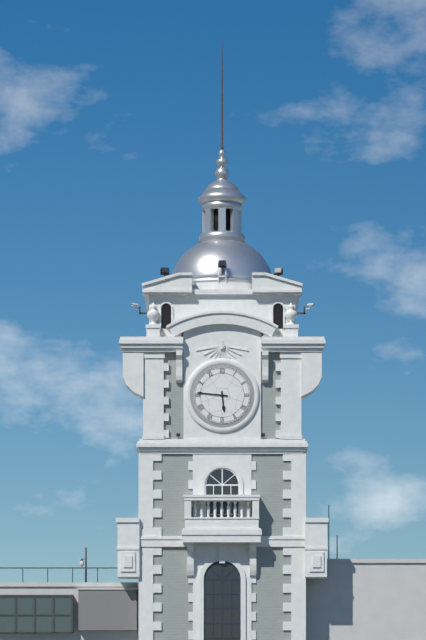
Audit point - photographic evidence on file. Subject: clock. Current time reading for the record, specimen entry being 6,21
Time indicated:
5,46
